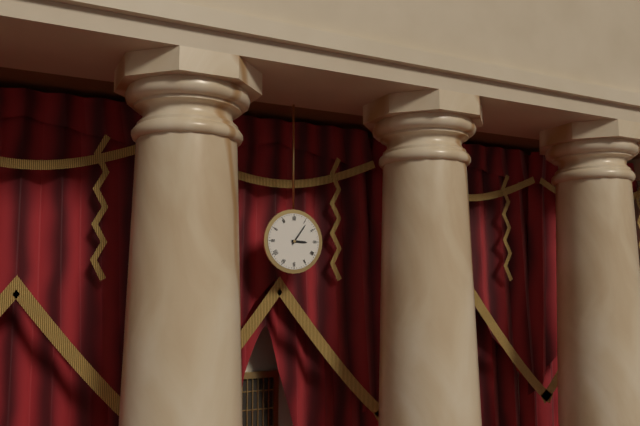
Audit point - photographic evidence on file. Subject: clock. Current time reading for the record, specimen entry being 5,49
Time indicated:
3,06
